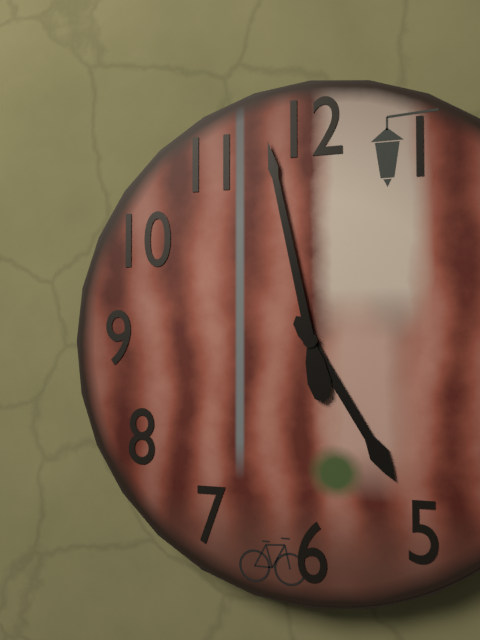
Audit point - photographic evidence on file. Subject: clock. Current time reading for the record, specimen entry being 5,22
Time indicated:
4,58
